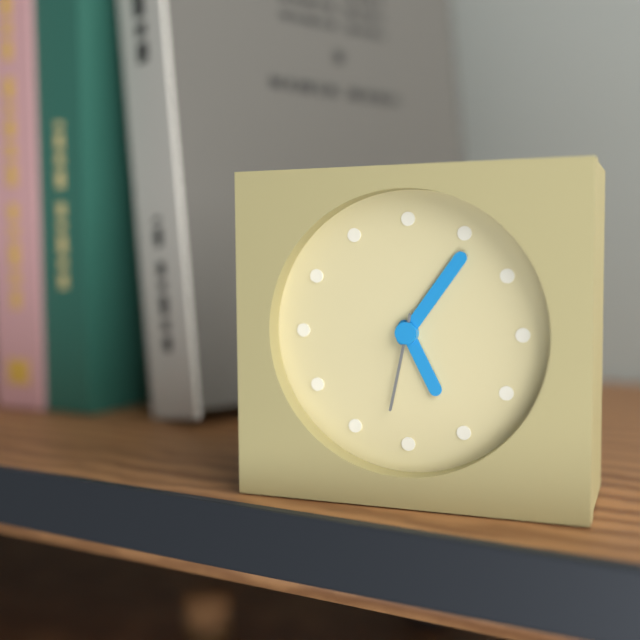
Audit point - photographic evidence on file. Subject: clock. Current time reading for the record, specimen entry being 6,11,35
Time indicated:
5,06,32
